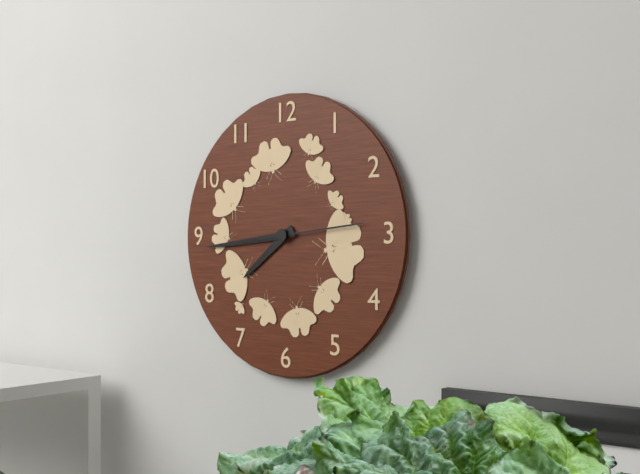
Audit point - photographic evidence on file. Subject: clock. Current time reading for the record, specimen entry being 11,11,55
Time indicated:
7,44,14
